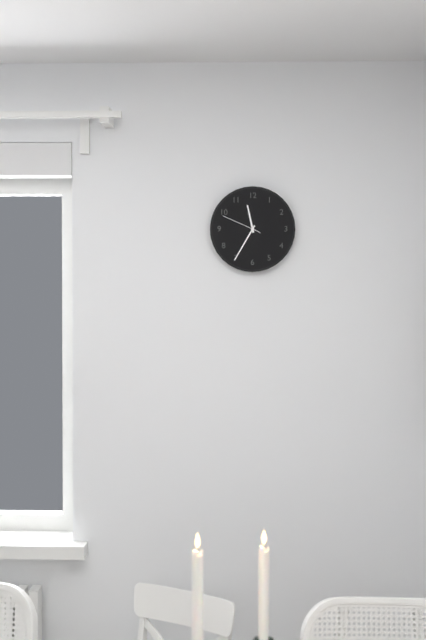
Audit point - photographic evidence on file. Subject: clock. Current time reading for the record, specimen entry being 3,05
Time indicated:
11,35
